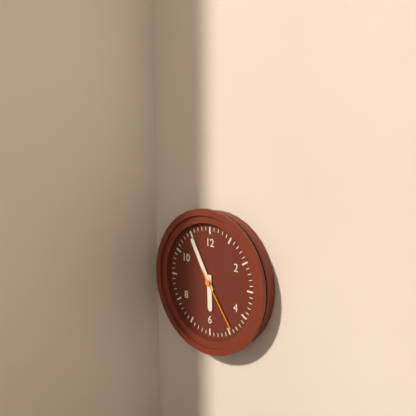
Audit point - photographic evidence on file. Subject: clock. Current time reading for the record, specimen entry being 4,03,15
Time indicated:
5,55,24
